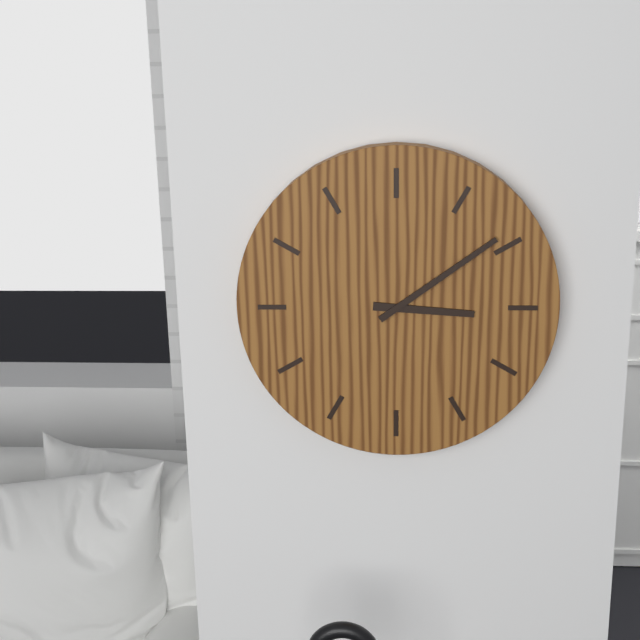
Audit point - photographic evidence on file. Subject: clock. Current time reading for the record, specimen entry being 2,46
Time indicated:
3,09
